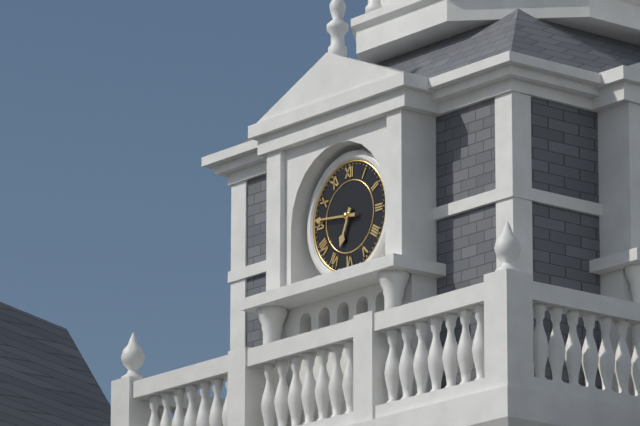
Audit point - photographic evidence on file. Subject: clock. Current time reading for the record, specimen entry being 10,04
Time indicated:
6,46
